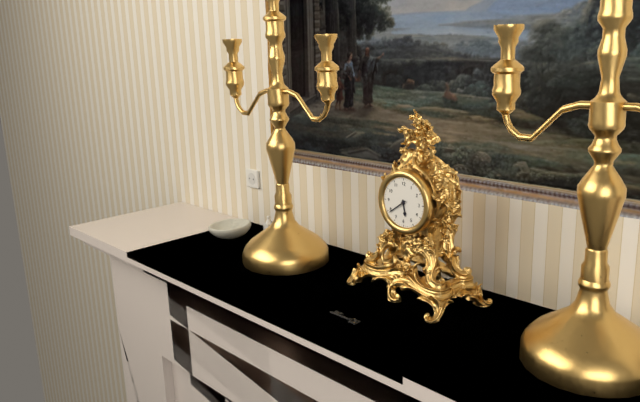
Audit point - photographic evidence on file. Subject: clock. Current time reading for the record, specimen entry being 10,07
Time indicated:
5,39
